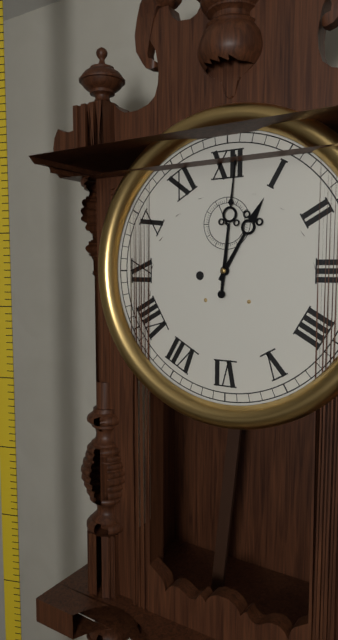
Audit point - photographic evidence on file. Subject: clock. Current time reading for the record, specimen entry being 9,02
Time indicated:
1,01
